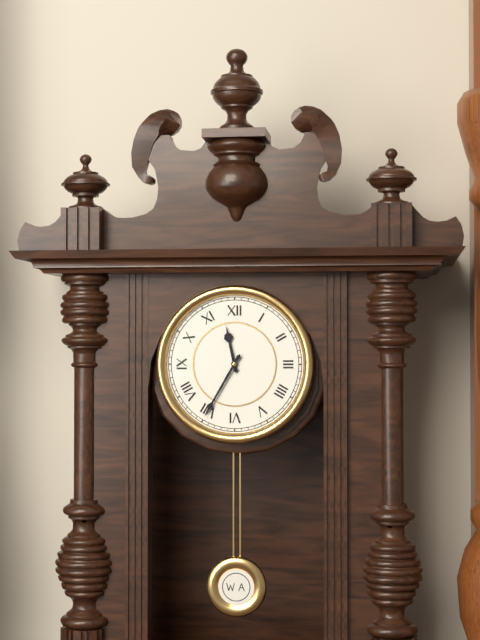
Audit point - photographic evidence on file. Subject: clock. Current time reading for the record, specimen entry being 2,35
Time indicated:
11,35
